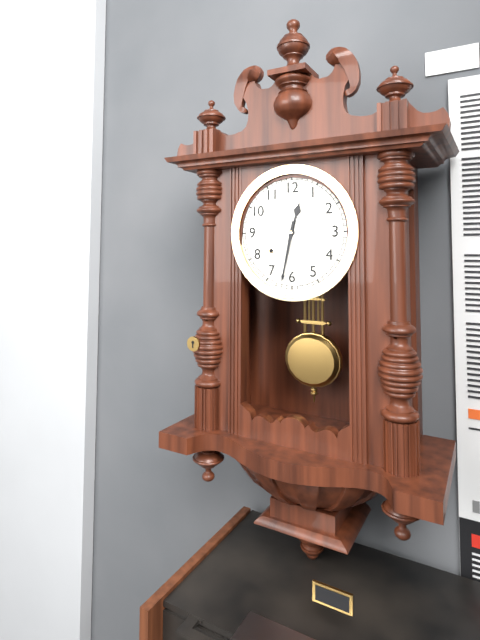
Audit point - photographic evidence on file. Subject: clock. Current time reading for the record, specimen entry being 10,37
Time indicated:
12,32
